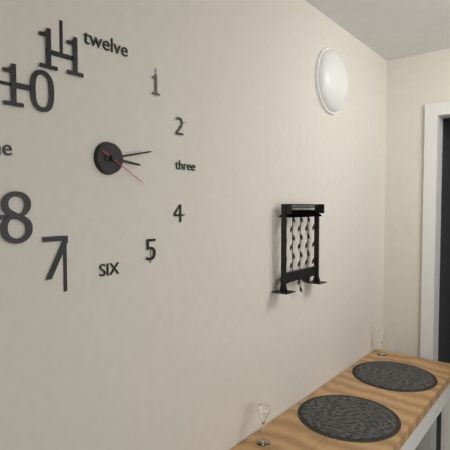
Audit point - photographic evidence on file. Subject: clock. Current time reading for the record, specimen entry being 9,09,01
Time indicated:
3,13,20
